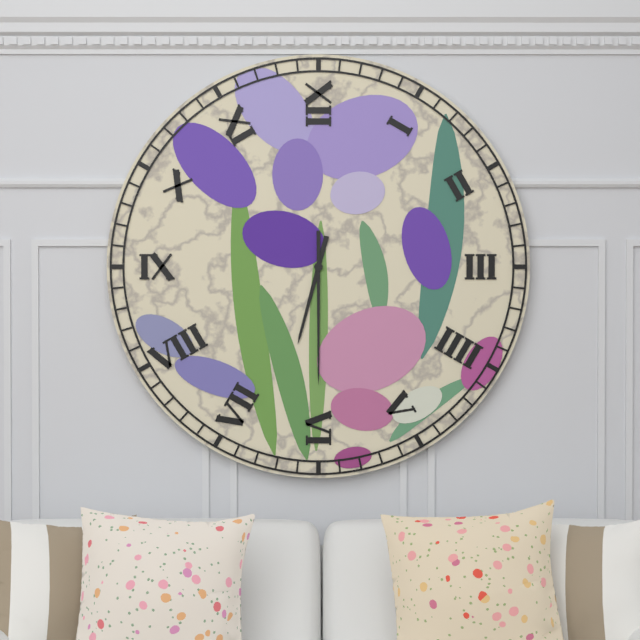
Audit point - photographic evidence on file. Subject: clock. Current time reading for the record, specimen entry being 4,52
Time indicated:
6,30
